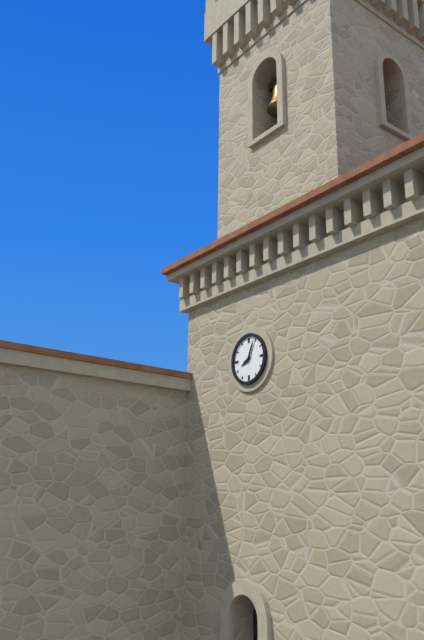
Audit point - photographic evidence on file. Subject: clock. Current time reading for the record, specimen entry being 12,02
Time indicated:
8,04
